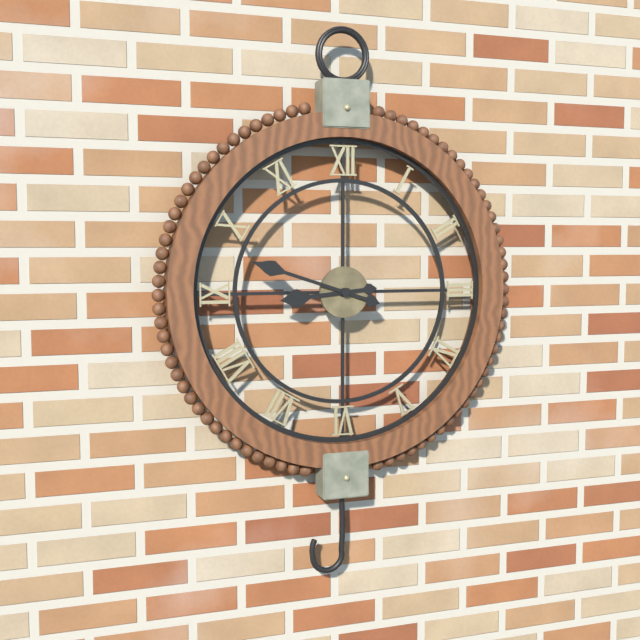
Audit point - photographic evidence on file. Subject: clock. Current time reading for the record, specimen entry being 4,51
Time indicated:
8,48
